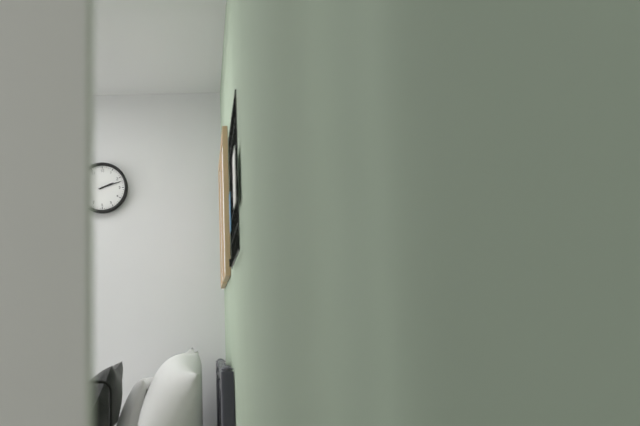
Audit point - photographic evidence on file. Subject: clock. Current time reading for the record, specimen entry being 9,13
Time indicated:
2,12
